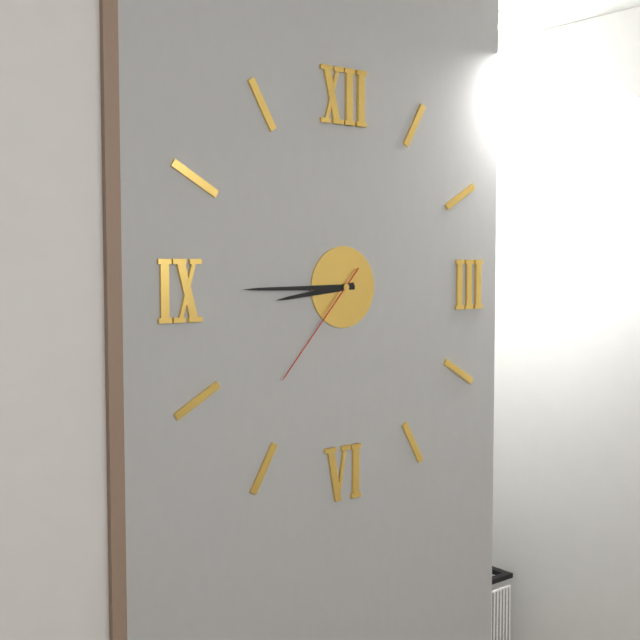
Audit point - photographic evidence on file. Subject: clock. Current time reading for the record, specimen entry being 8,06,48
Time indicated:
8,45,37
